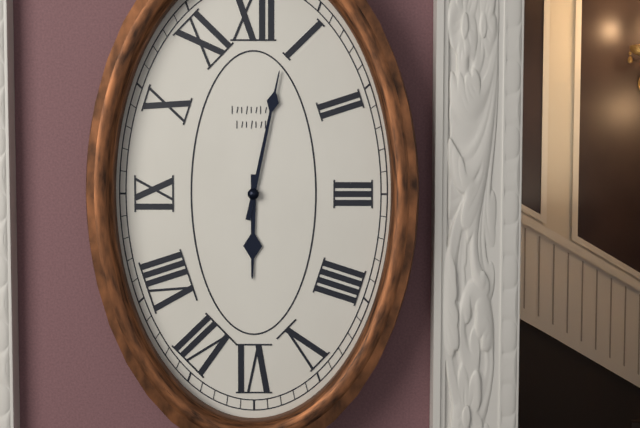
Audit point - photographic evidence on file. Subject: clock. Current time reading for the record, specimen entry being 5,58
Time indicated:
6,02
